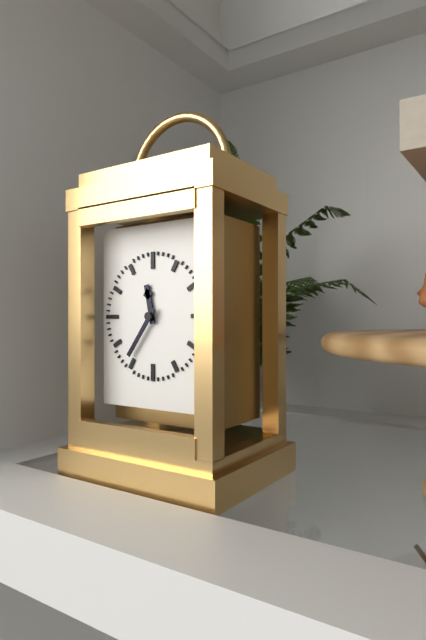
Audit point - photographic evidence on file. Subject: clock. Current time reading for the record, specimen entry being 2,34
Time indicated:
11,36
